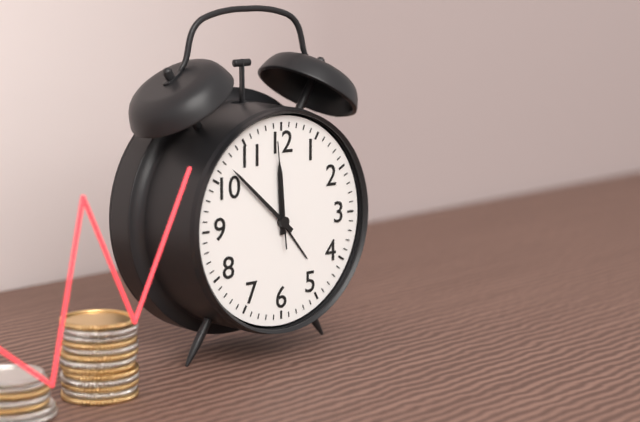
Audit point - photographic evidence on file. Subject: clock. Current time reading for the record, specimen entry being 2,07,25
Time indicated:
11,52,59
